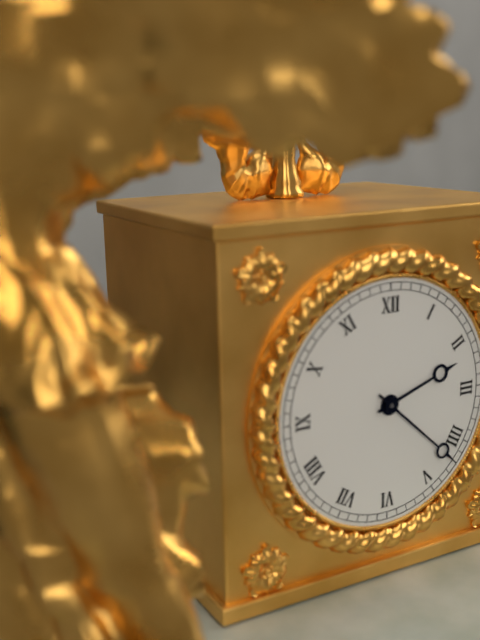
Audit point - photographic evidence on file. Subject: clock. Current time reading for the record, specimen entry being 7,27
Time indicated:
2,22
